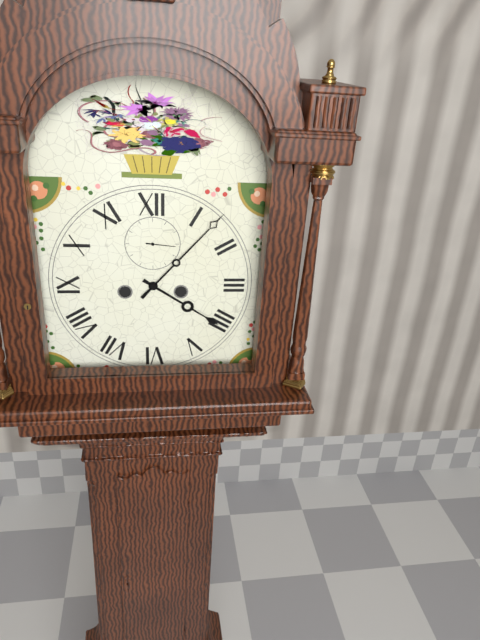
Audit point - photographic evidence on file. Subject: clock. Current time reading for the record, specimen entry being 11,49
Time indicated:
4,07
